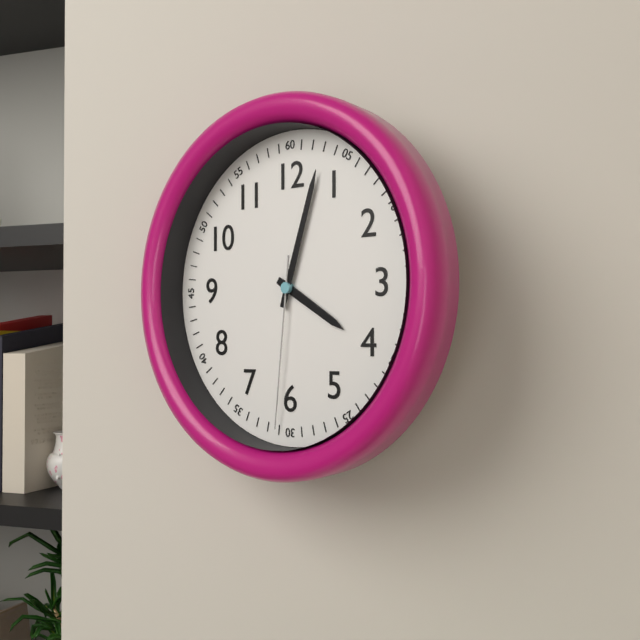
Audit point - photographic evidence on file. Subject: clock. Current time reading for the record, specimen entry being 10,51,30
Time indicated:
4,03,31
